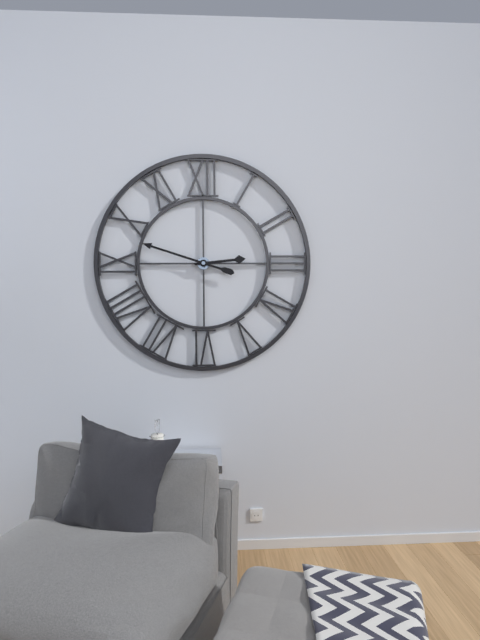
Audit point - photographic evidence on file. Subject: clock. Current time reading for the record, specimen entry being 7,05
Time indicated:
2,48
